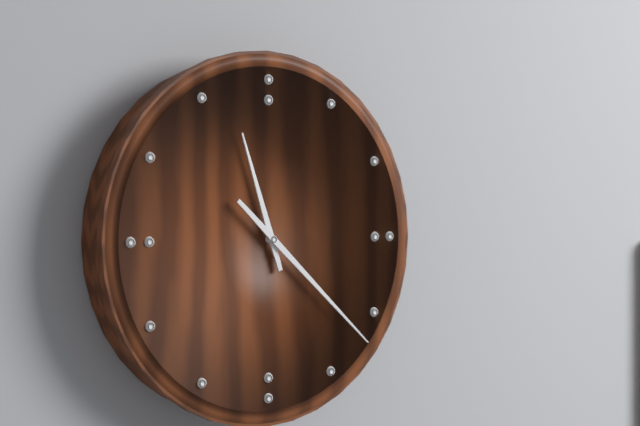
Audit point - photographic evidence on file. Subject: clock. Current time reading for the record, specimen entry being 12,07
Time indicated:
11,22
